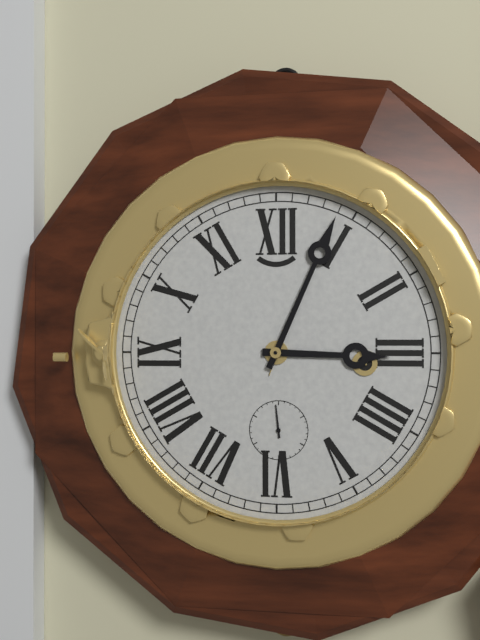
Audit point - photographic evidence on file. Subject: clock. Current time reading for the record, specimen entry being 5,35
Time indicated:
3,04
